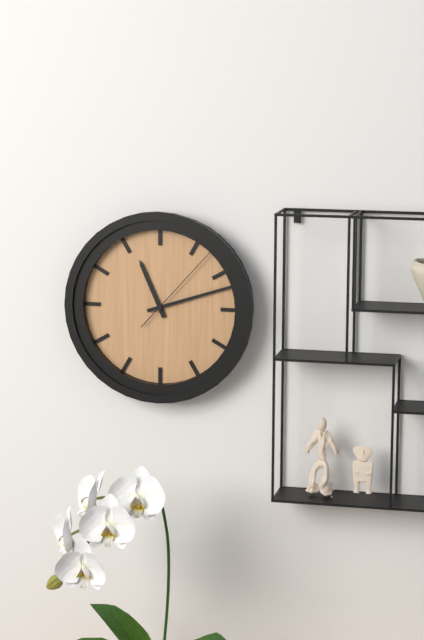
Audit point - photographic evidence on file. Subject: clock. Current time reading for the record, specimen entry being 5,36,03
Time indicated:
11,12,07
